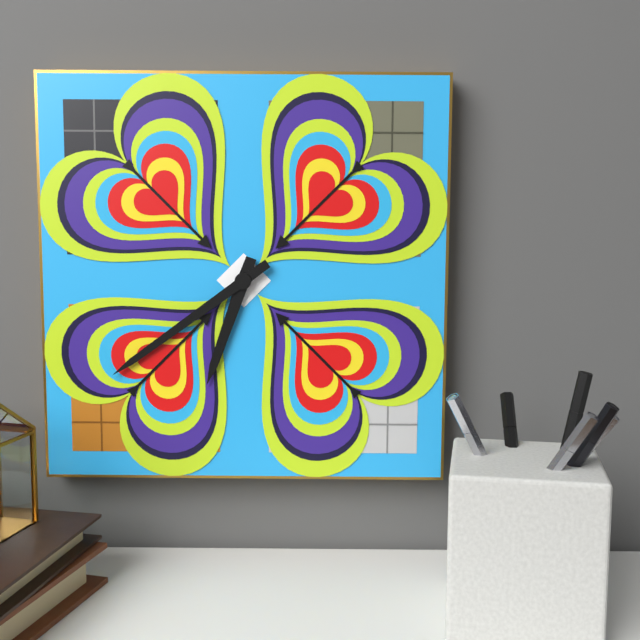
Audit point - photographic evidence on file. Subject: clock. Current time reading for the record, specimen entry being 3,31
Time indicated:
6,39
